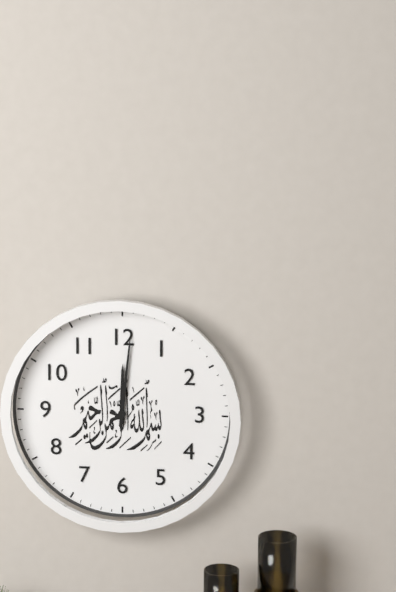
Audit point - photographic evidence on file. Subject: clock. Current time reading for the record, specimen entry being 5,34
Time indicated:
12,01
